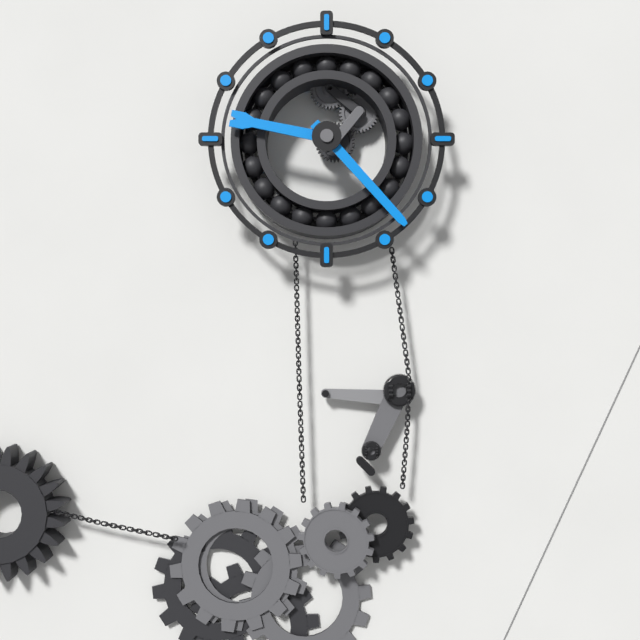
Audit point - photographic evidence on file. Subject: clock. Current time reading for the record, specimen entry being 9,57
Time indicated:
9,23
